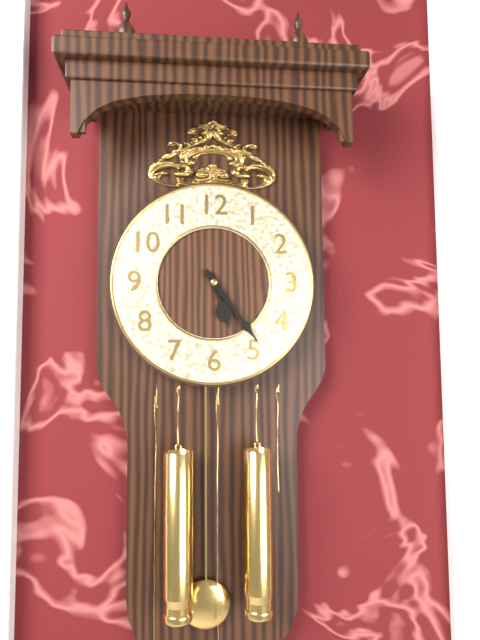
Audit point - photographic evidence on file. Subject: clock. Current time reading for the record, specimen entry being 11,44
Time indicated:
5,24
